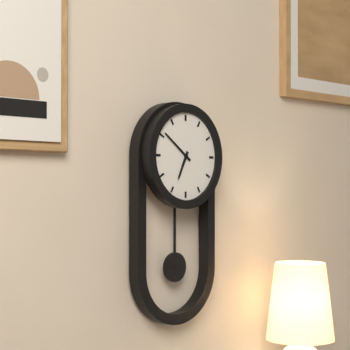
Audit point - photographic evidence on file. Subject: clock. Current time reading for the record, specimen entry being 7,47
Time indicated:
6,51
